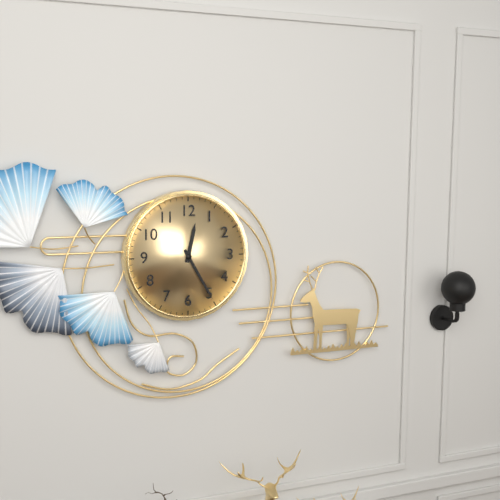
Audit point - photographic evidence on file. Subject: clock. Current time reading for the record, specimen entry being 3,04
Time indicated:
12,25
